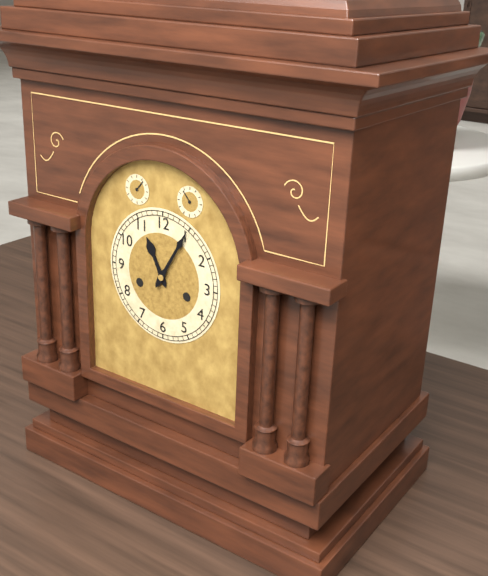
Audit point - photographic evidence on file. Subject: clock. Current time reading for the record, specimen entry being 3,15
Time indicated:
11,05
